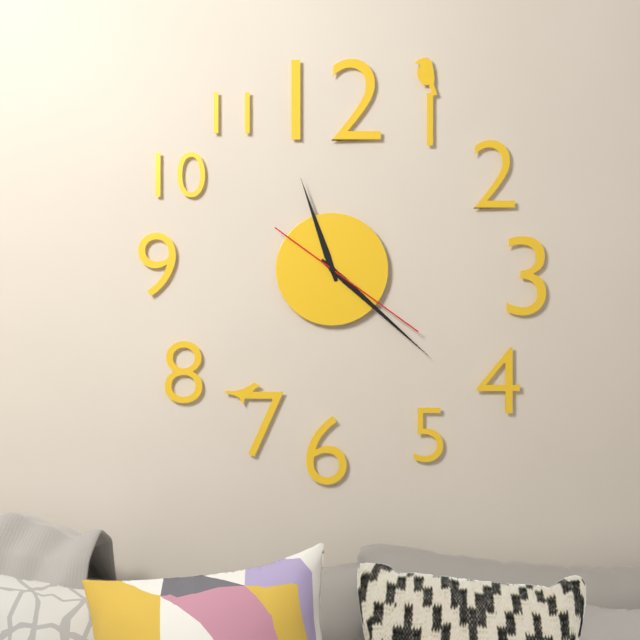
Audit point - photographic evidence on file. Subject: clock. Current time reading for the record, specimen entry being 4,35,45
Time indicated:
11,22,21
